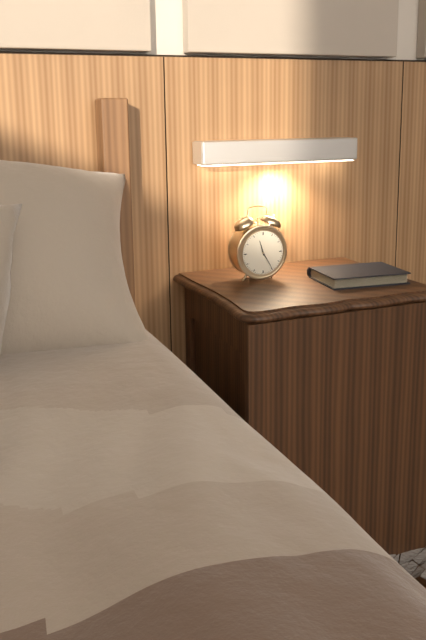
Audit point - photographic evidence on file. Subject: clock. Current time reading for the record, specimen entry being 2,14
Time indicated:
11,25
